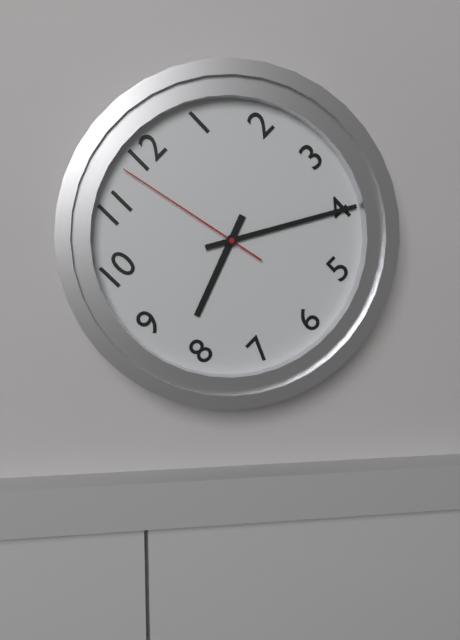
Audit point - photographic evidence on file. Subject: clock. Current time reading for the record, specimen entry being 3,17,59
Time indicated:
8,20,58
